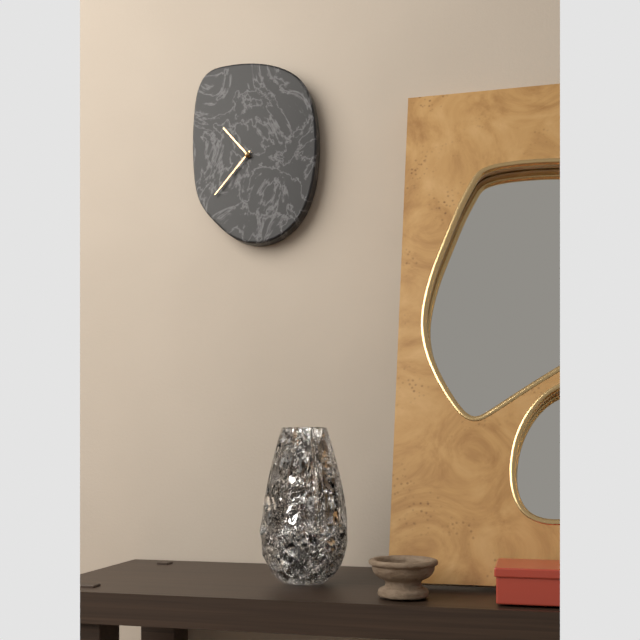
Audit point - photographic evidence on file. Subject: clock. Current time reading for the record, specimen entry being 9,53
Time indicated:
10,37
